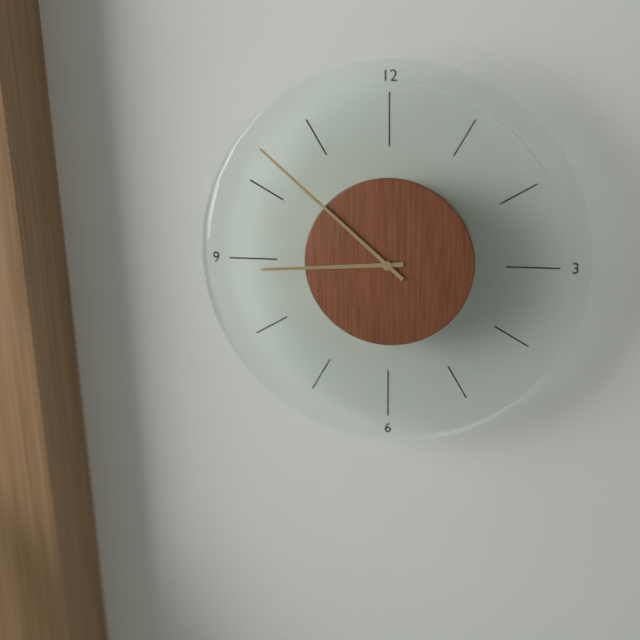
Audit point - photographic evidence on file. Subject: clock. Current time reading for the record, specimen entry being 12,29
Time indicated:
8,52
